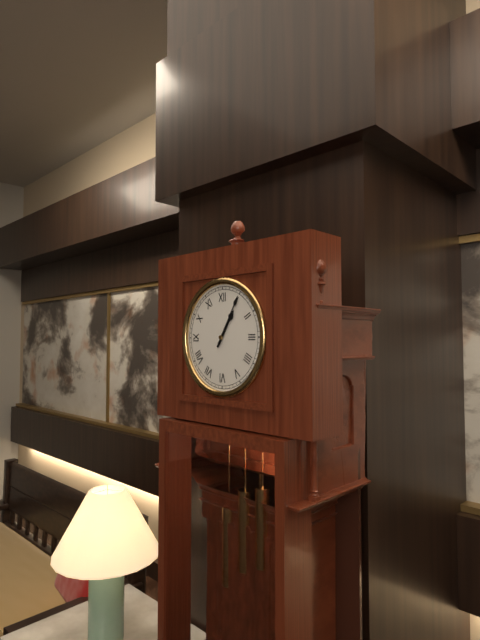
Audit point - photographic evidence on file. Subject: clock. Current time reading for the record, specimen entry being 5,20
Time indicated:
1,05
